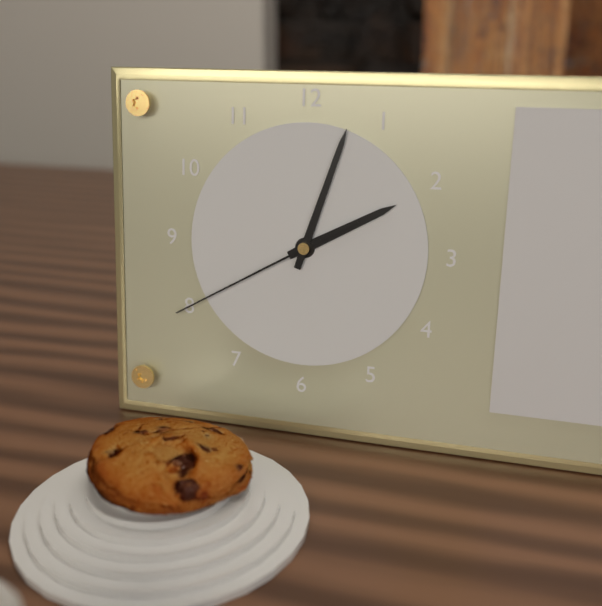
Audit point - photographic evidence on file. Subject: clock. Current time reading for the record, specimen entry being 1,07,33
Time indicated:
2,03,40
